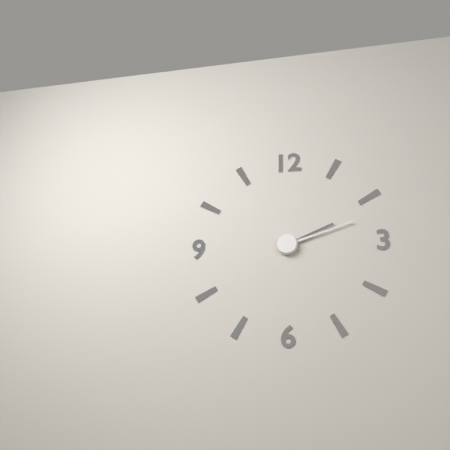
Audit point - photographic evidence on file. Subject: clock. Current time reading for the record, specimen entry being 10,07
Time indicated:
2,12
